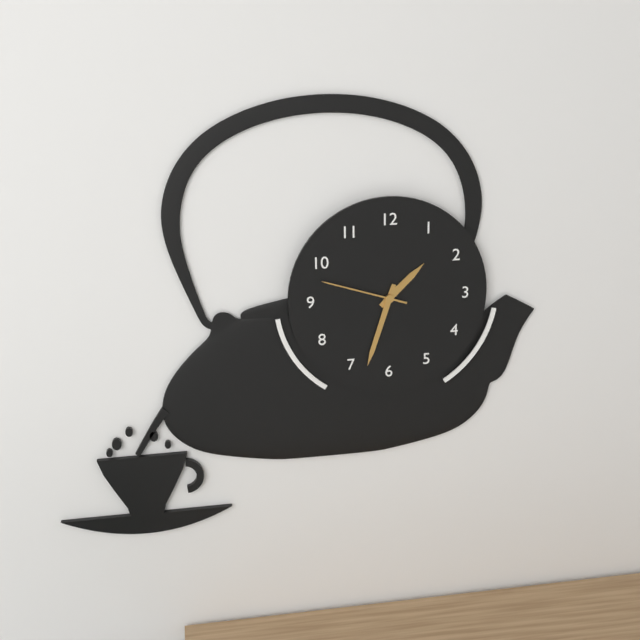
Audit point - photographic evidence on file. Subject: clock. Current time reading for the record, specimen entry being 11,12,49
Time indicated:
1,33,48
